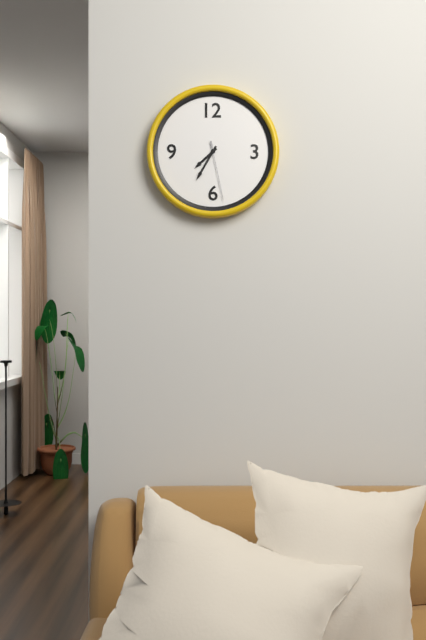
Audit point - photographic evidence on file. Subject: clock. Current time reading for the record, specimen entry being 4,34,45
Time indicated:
7,35,28
